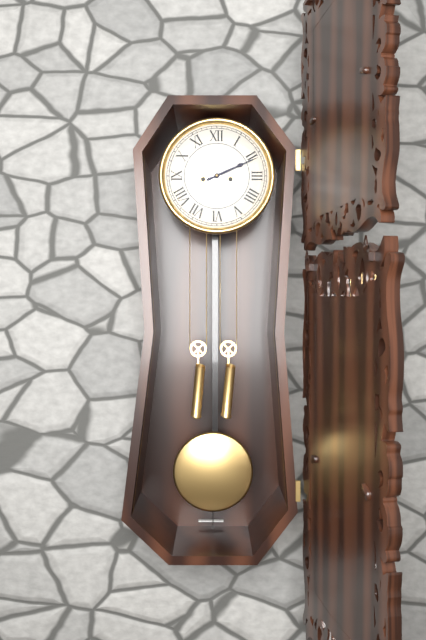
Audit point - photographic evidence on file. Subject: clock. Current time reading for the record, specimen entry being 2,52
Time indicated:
2,11
